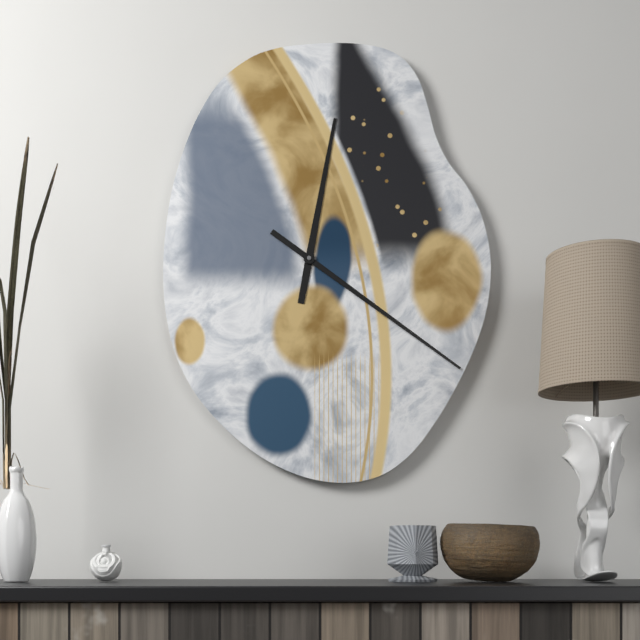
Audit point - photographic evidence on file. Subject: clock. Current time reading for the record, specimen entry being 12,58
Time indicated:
12,21
